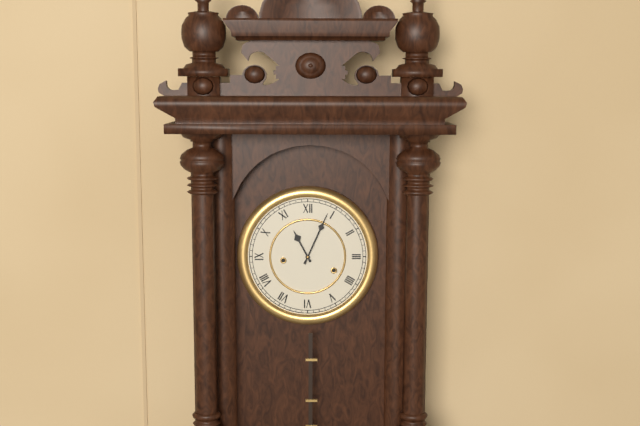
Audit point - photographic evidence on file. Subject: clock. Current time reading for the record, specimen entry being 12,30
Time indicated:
11,04
